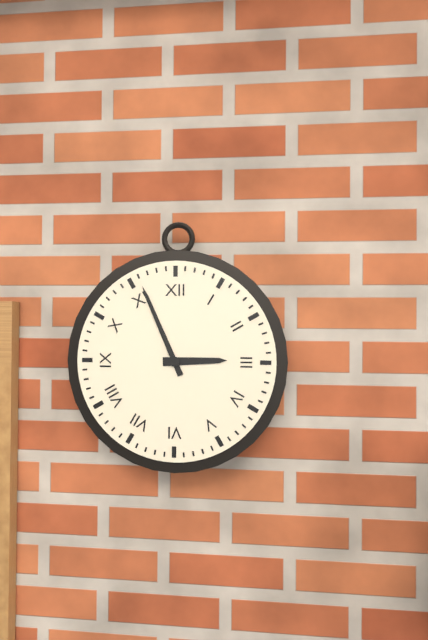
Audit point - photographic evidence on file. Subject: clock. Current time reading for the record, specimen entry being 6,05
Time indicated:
2,56
